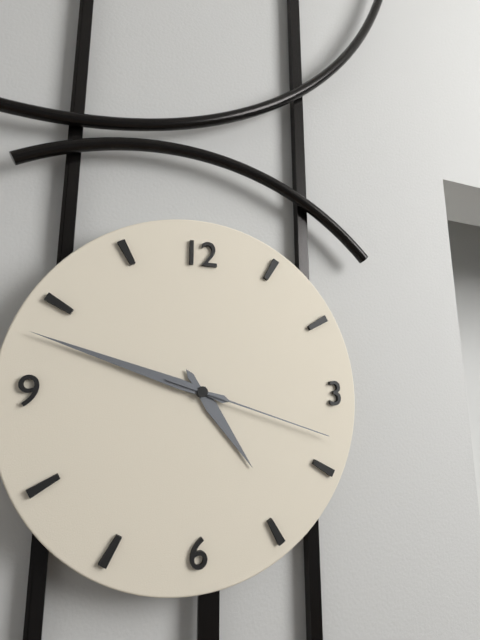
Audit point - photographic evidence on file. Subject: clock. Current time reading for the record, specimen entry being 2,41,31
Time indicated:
4,48,18
